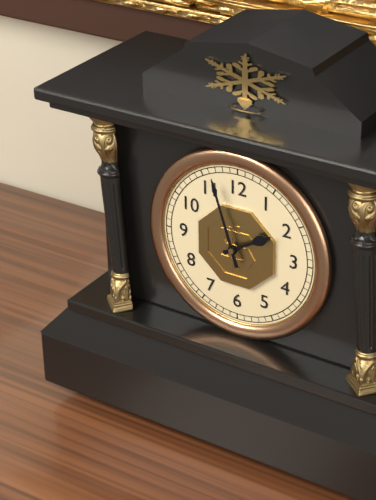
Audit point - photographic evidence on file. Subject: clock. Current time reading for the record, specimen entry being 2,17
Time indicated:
1,57
